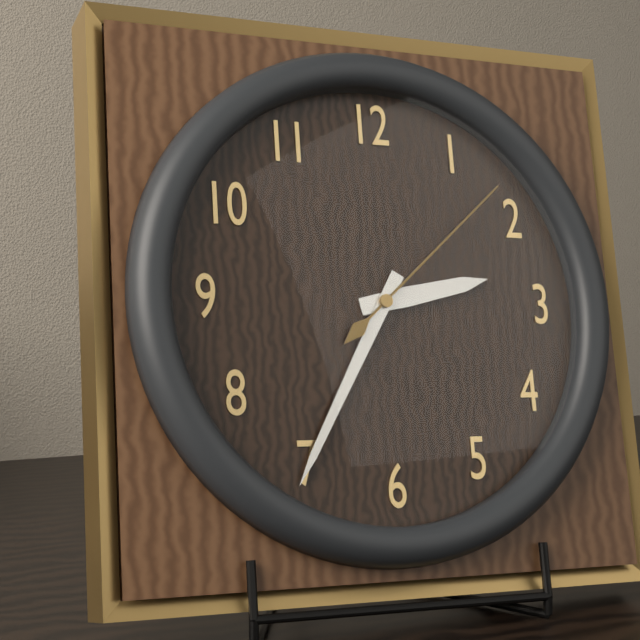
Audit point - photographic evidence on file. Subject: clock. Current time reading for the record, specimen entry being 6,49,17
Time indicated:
2,35,08
